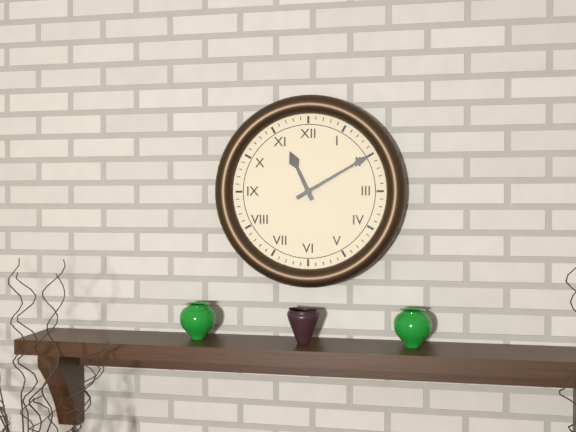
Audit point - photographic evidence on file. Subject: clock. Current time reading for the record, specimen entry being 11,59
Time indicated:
11,10
